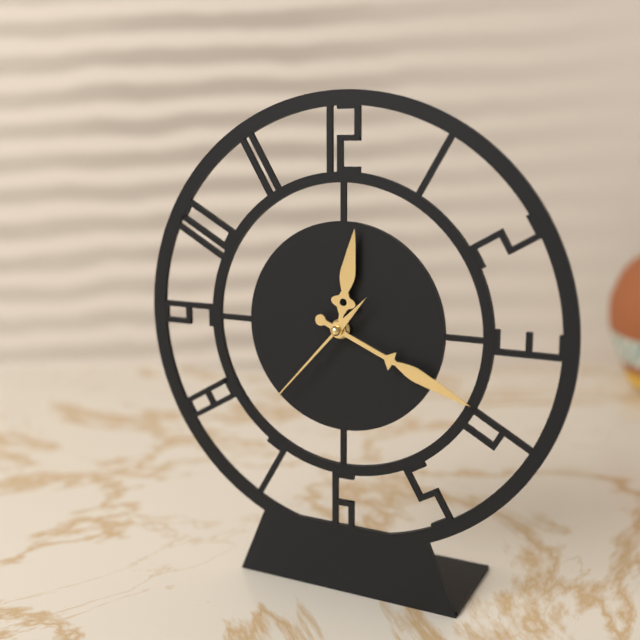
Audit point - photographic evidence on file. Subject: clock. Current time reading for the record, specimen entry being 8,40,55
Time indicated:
12,19,37
